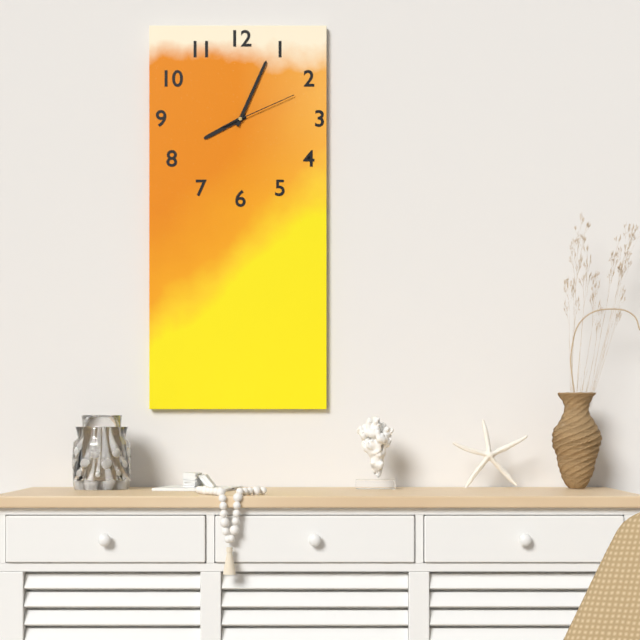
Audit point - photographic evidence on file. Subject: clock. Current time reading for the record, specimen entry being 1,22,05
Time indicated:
8,04,11
